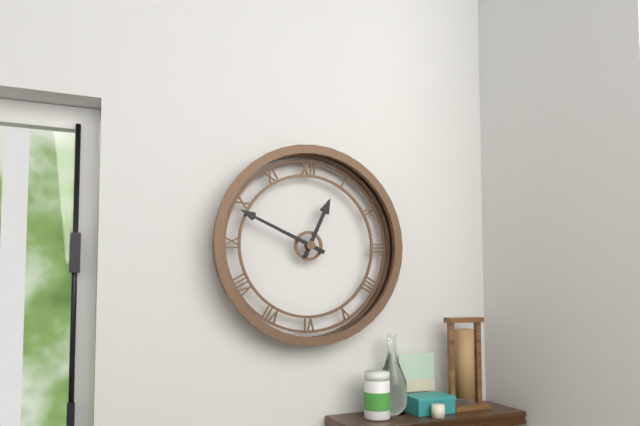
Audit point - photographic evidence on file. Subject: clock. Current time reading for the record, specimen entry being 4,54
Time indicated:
12,49
